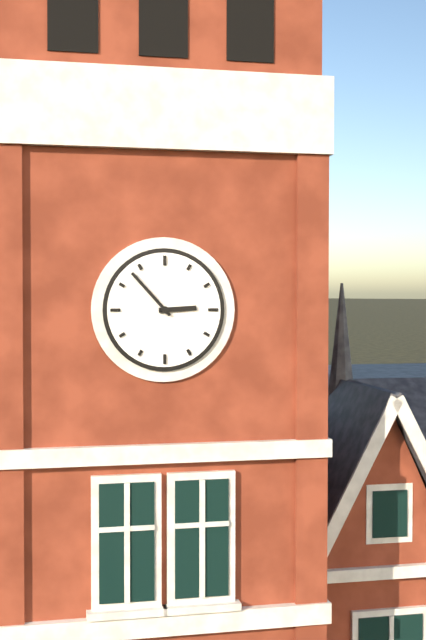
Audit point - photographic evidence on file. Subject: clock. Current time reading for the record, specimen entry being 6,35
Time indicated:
2,53
